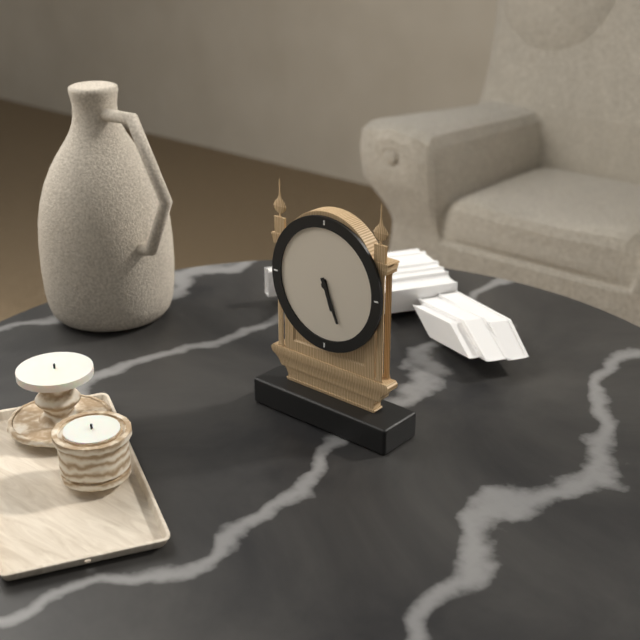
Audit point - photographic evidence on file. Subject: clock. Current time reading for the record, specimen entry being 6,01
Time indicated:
5,26
